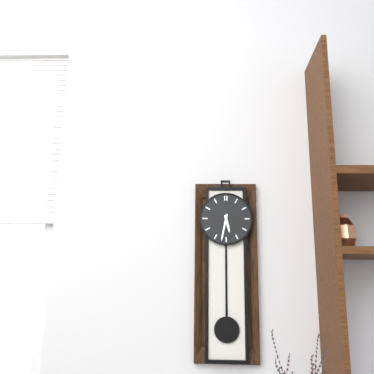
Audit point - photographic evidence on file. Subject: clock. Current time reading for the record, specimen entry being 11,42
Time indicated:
5,32
